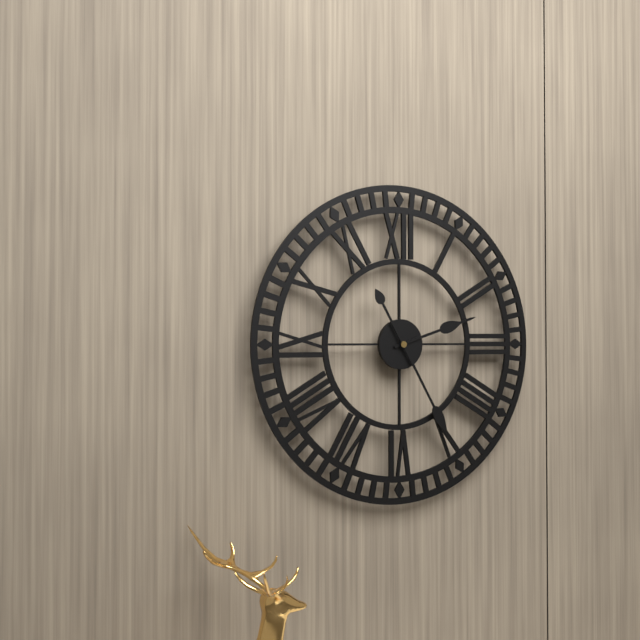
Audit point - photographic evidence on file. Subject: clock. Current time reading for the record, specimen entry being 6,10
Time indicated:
2,25
